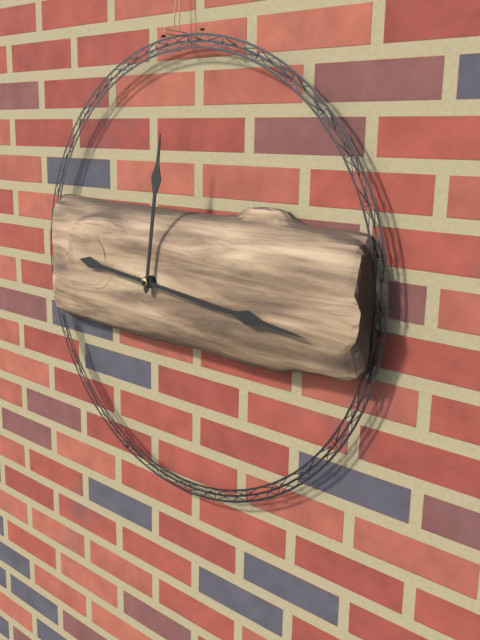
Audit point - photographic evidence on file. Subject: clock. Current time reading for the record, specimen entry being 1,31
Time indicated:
12,16
